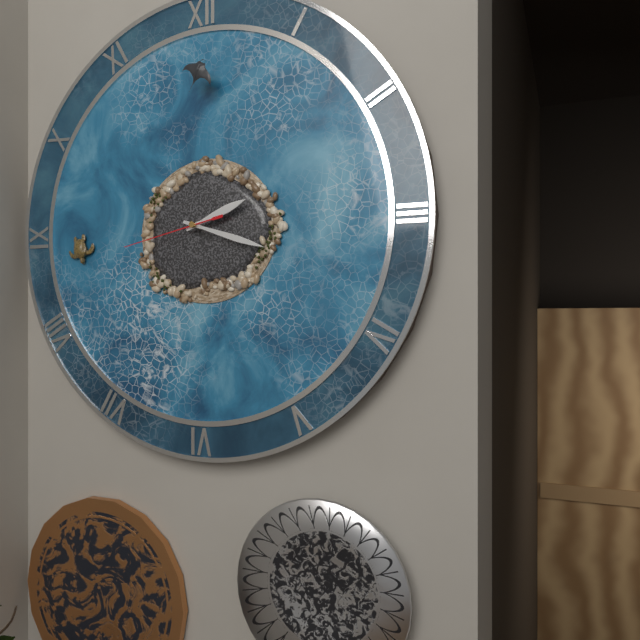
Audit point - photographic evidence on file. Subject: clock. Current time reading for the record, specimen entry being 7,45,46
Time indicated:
2,18,43
